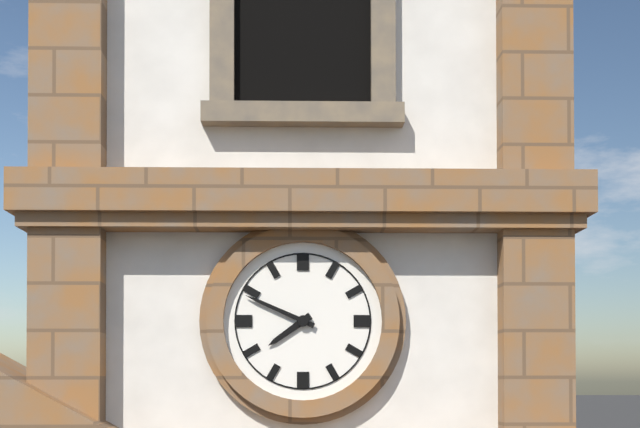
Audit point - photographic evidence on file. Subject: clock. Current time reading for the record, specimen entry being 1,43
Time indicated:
7,49
